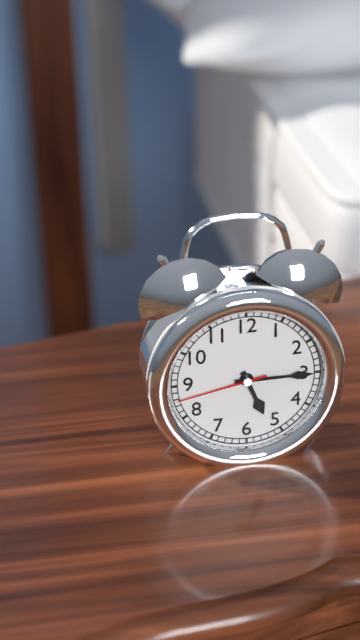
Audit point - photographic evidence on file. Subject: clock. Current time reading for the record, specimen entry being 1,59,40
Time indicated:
5,15,43
